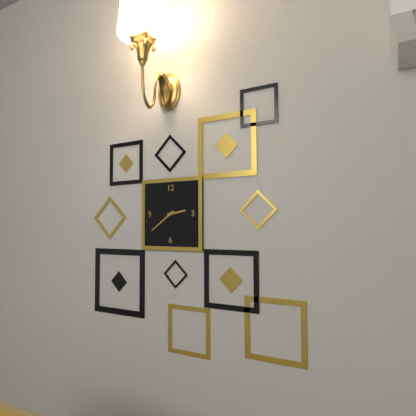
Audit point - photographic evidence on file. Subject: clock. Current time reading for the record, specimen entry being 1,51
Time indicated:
2,39
